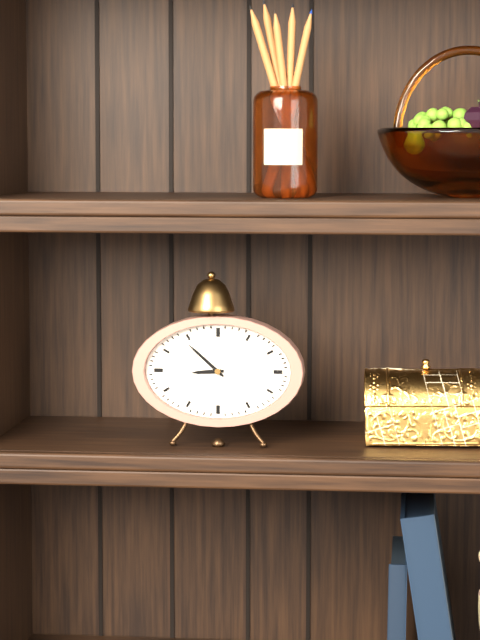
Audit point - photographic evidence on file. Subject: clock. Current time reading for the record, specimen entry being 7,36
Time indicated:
8,52
